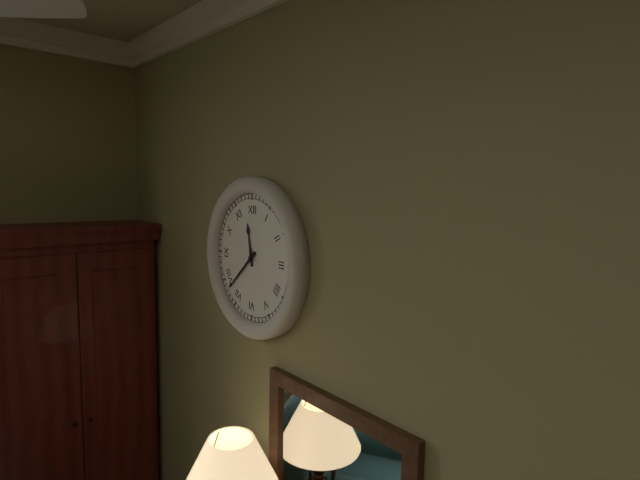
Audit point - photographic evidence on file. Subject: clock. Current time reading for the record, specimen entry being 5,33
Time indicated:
11,38
